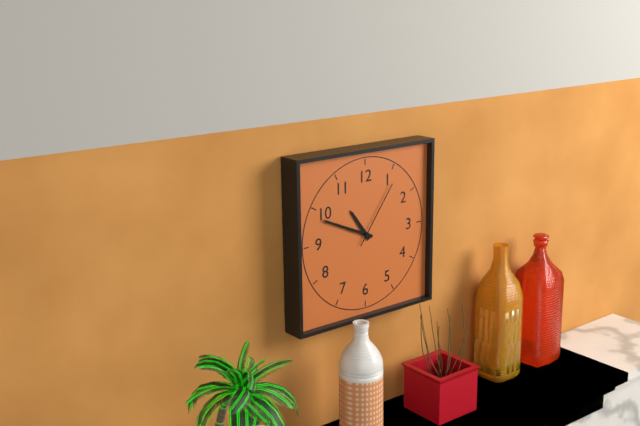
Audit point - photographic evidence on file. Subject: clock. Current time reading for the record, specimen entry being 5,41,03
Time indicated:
10,49,06
